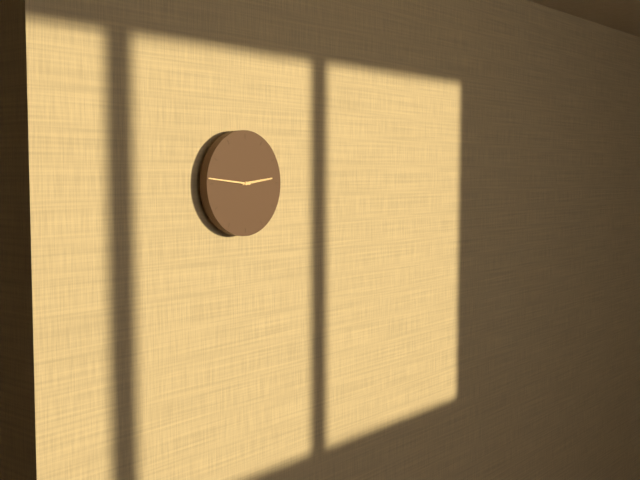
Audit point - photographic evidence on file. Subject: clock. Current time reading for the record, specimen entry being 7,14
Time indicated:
2,46
